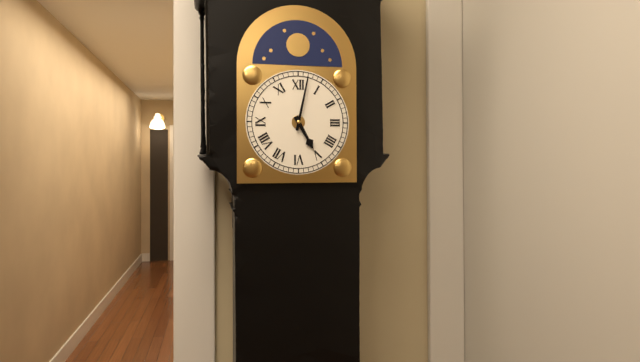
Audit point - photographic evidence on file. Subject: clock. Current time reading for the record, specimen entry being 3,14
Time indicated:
5,02
